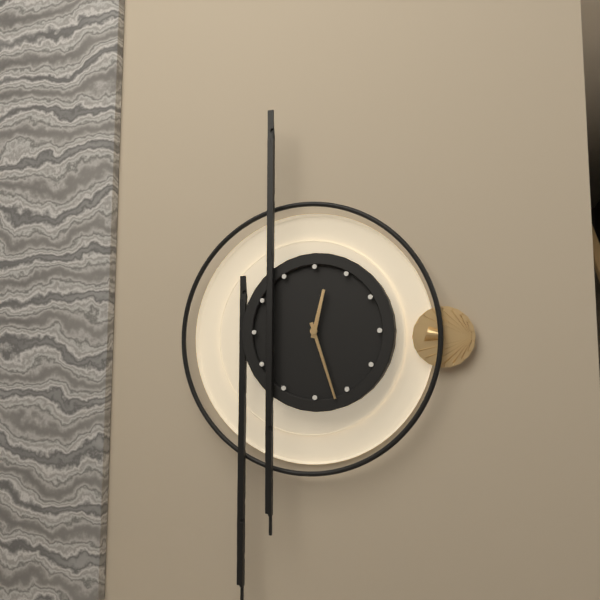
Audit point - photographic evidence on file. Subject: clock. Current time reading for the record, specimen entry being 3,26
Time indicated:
12,27
